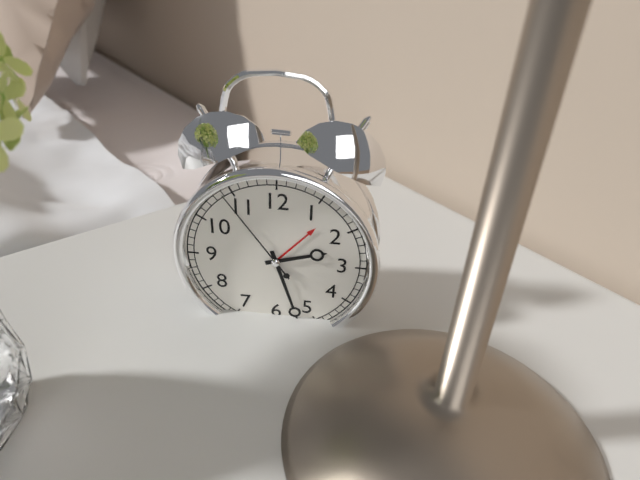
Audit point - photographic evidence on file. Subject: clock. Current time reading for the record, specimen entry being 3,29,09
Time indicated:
2,27,54
